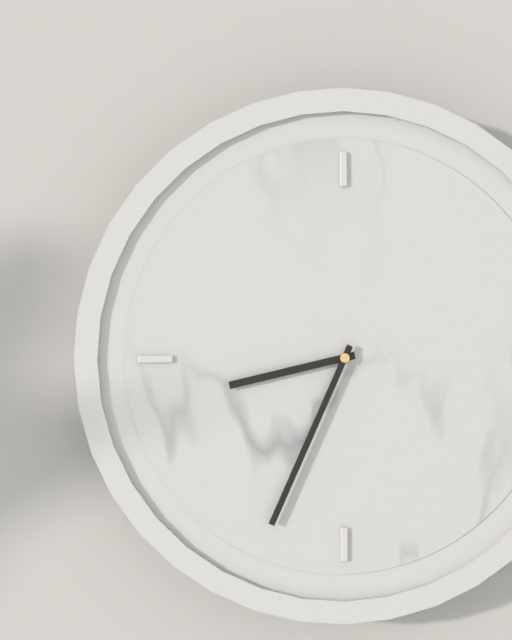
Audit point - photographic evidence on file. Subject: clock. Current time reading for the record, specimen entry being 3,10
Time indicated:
8,34
